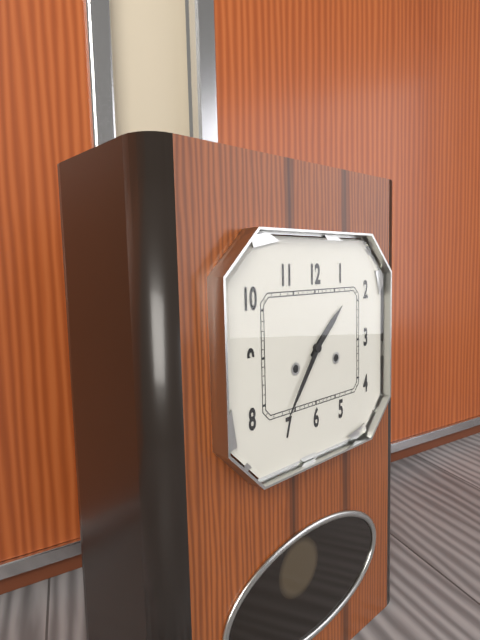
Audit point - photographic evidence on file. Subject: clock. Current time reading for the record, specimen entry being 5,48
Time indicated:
1,36
